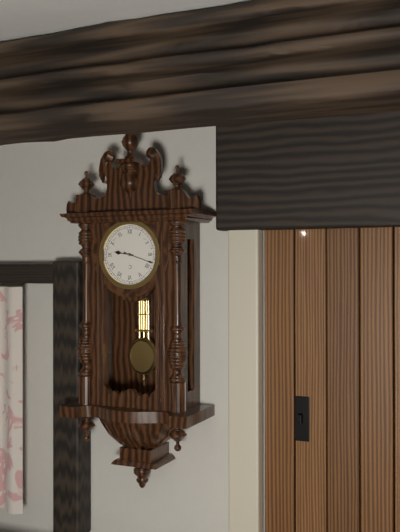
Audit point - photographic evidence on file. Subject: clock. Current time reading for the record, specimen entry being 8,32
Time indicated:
9,18
